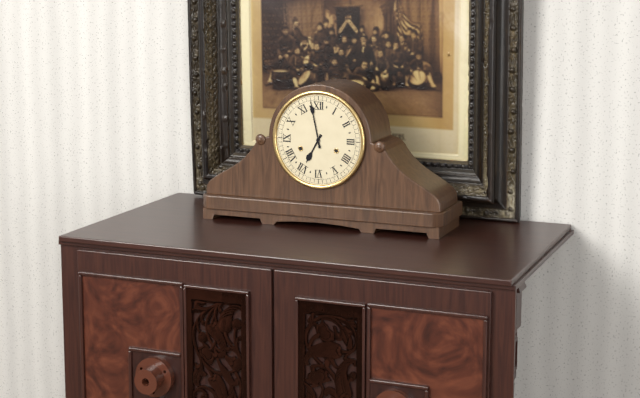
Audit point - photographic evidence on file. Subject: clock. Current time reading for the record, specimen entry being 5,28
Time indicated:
6,58
